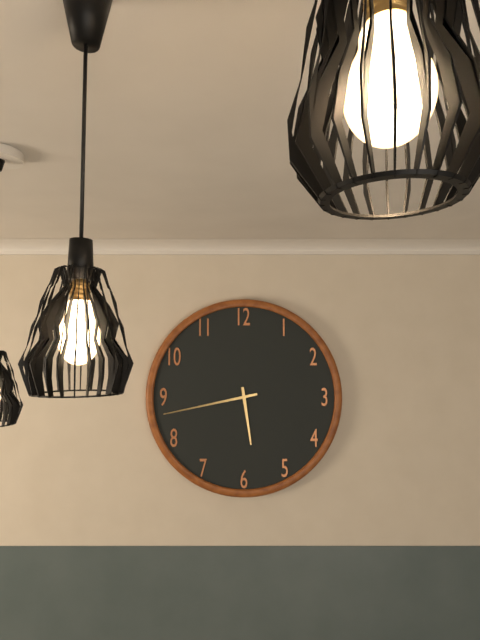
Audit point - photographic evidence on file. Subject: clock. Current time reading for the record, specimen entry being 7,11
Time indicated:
5,43
